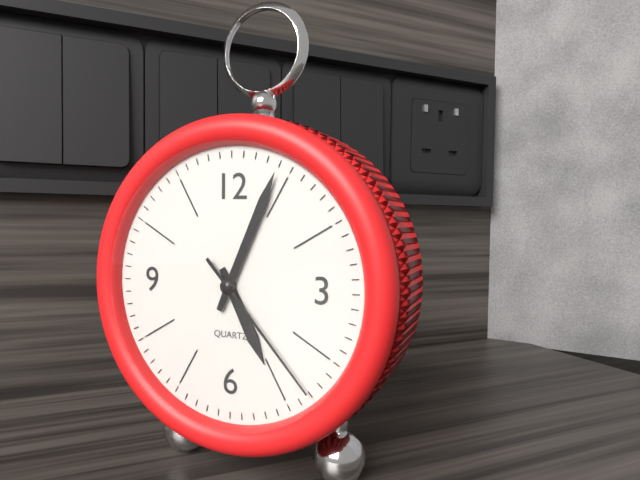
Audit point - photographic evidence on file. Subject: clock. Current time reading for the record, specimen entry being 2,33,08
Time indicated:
5,04,23
